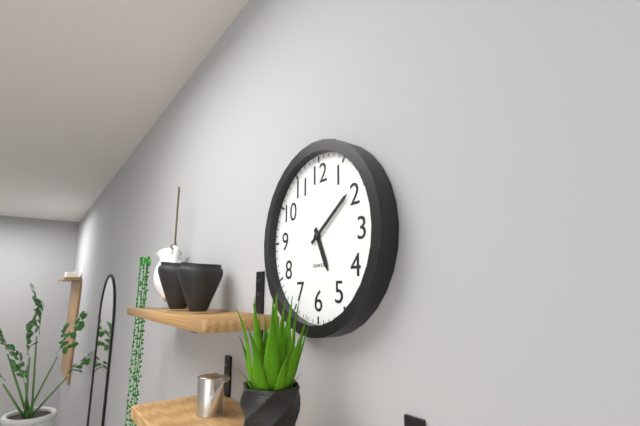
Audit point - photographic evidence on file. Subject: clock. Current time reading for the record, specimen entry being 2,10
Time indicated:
5,09
